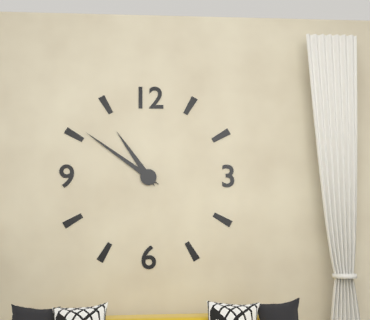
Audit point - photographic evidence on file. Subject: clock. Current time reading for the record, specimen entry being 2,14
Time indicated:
10,51
